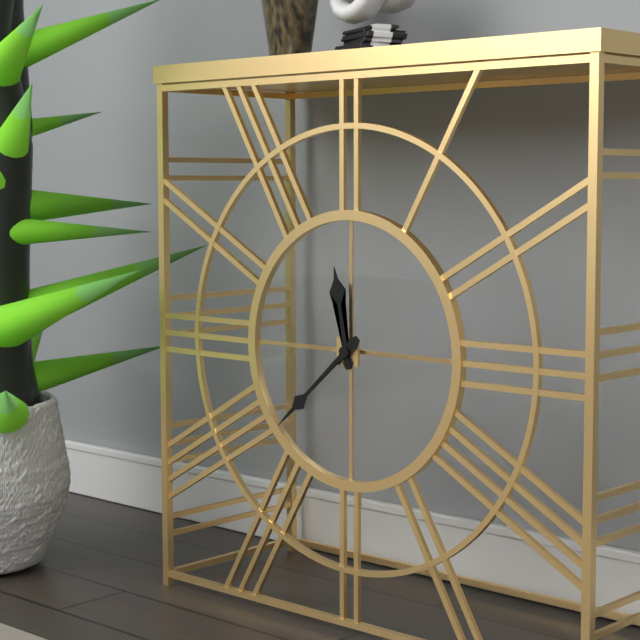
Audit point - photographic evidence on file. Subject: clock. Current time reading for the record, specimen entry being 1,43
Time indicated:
11,38
